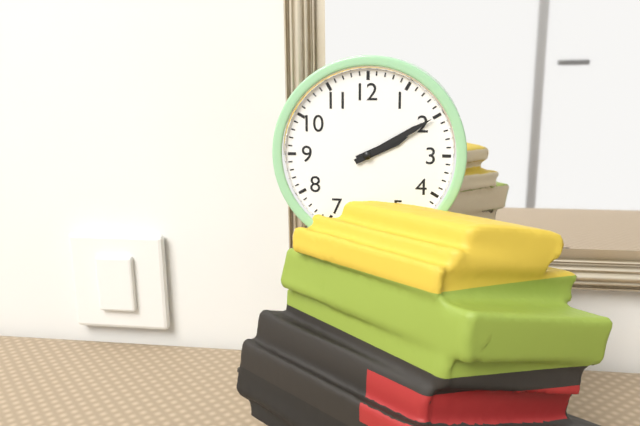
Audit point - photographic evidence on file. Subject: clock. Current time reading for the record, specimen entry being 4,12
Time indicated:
2,10
